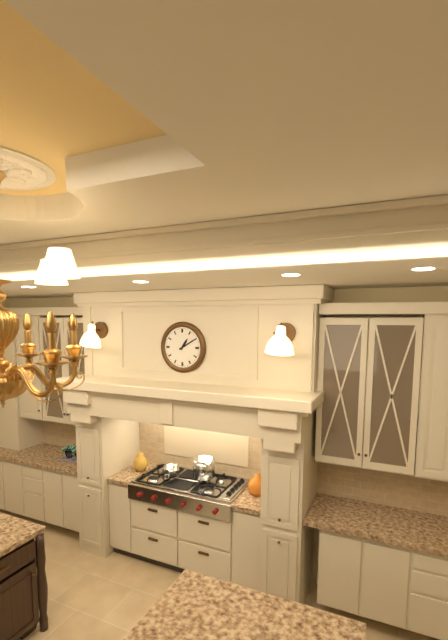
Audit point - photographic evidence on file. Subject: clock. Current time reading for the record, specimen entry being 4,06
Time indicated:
1,10
